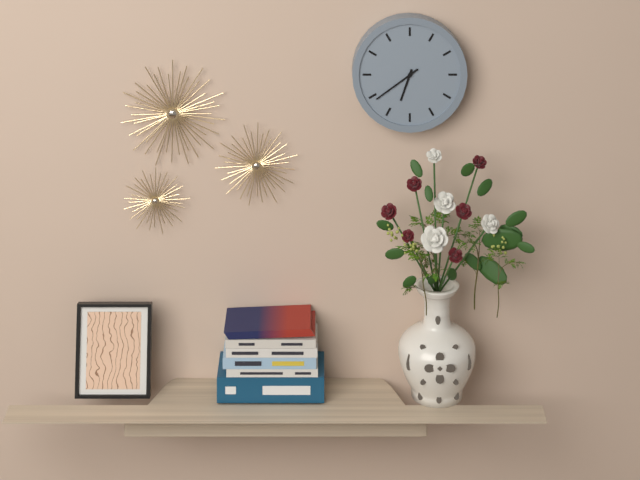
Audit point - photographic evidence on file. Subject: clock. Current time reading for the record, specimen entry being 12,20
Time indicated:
6,39
